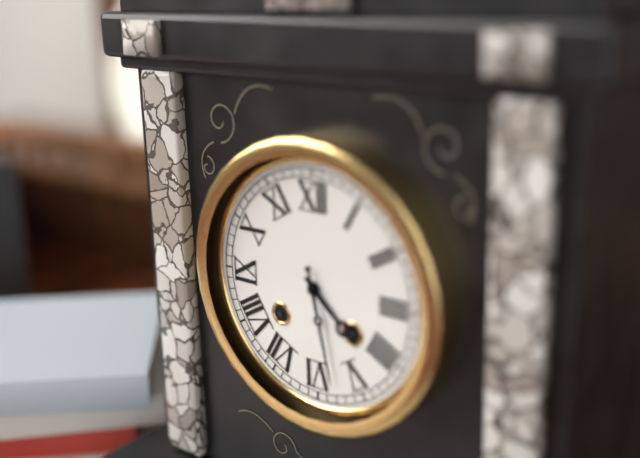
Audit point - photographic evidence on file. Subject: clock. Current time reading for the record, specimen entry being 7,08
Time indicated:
4,28
